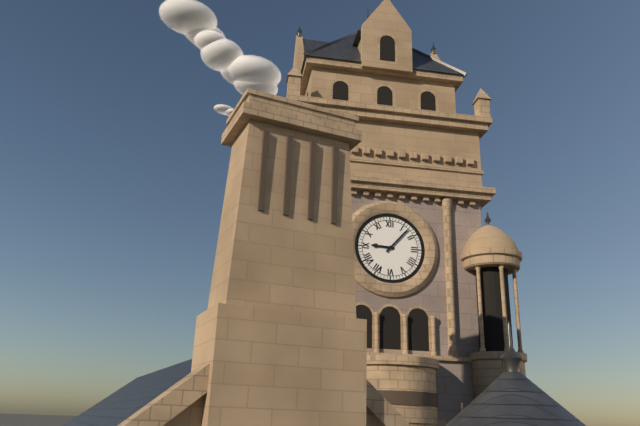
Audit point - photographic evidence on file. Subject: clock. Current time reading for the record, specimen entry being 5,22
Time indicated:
9,07
